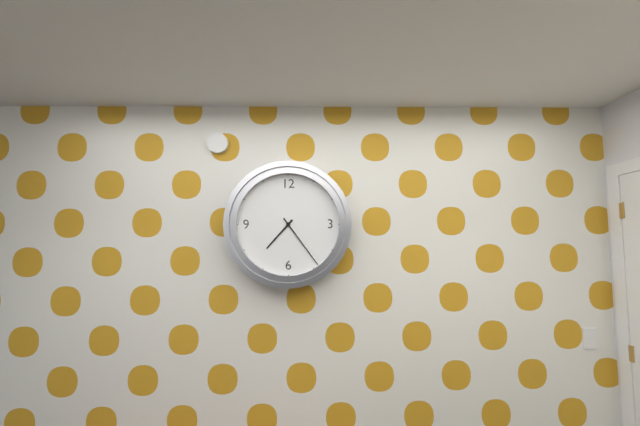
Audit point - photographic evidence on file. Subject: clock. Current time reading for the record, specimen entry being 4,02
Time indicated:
7,24
